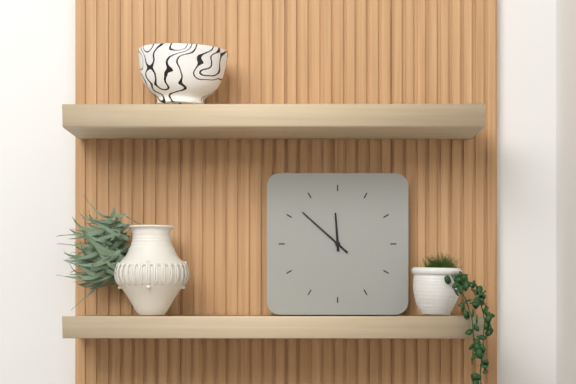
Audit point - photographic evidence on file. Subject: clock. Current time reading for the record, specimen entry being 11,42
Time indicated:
11,52
